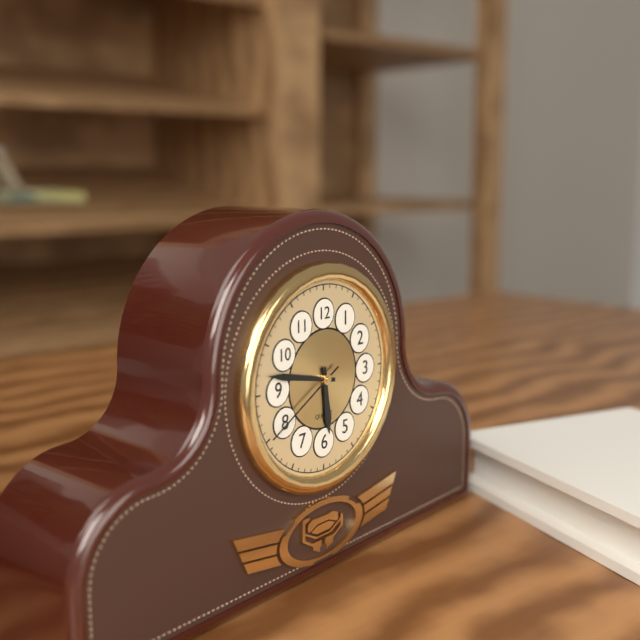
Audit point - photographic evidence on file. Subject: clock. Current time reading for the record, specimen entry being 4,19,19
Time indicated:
5,47,40
